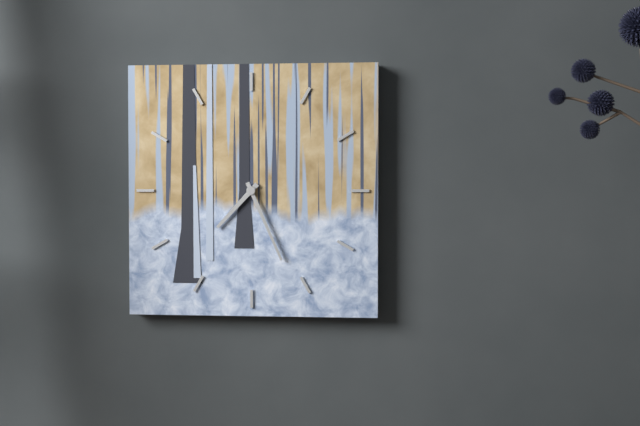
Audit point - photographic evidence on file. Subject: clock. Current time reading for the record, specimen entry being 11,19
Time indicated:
7,26
